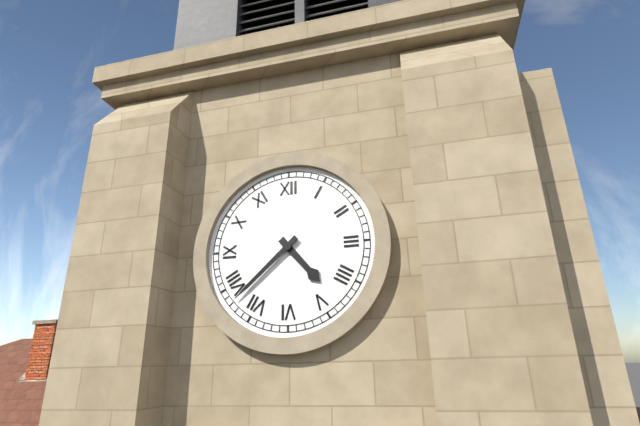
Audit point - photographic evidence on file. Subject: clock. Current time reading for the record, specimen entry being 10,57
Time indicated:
4,38
